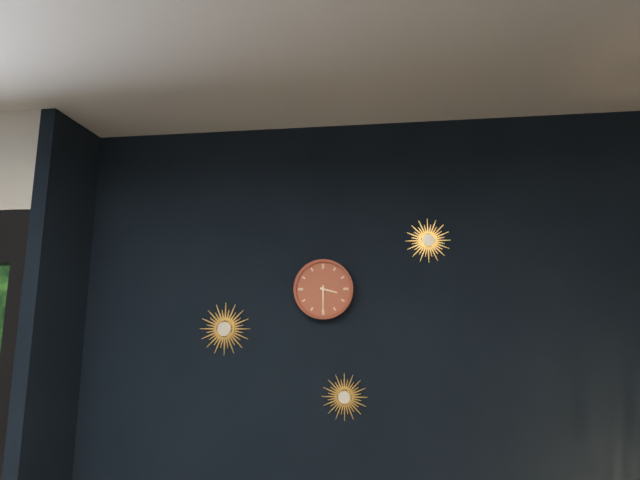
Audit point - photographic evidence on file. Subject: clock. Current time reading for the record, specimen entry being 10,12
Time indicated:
3,30
